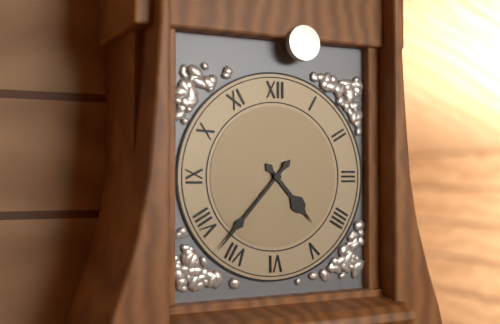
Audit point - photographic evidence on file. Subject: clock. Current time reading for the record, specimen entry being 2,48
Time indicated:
4,37
